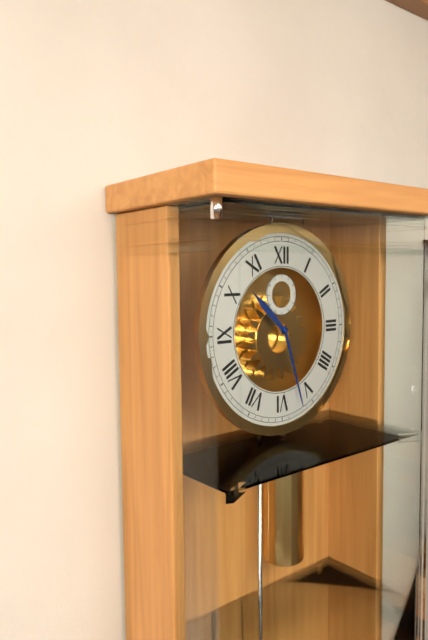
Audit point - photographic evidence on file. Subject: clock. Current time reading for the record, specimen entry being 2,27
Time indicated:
10,27
